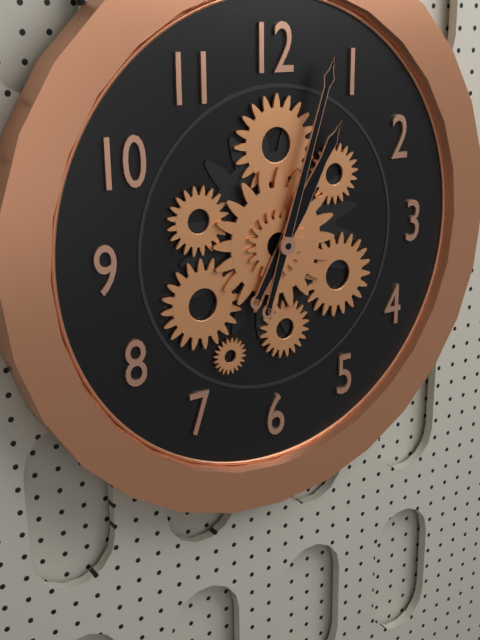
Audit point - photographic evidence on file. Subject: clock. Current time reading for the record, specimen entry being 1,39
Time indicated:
1,03
